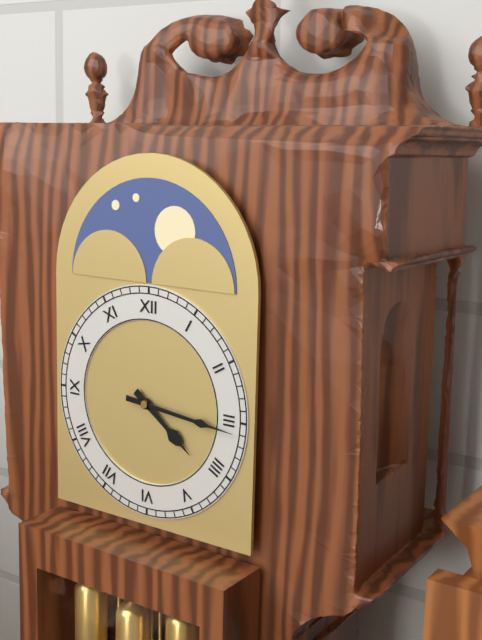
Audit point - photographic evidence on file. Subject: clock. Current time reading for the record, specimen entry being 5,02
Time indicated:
4,16
